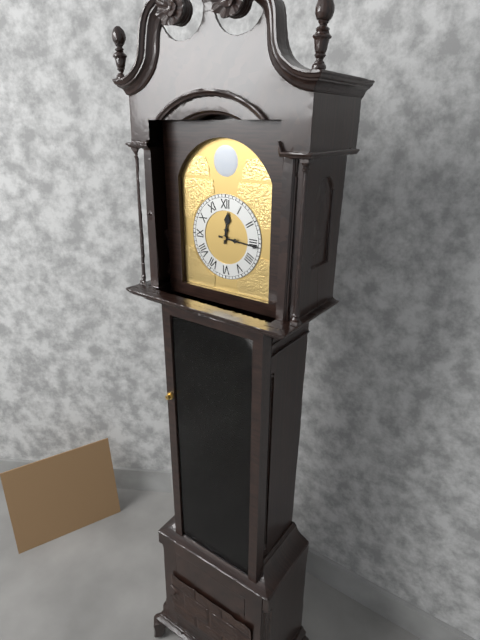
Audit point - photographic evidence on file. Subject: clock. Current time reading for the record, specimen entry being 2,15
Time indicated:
12,16
